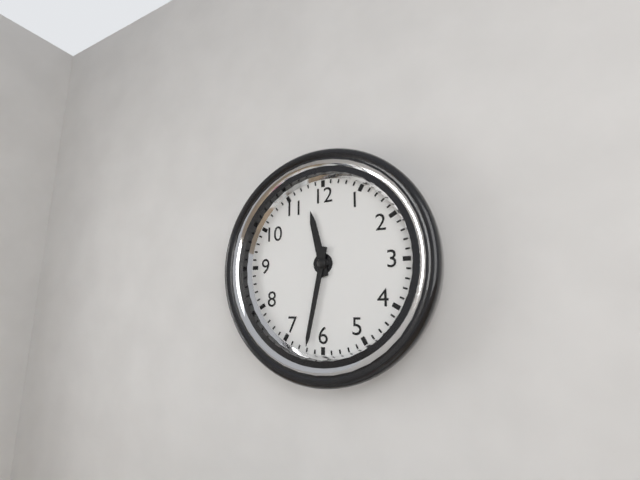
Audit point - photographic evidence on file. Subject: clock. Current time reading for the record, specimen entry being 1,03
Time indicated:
11,32
